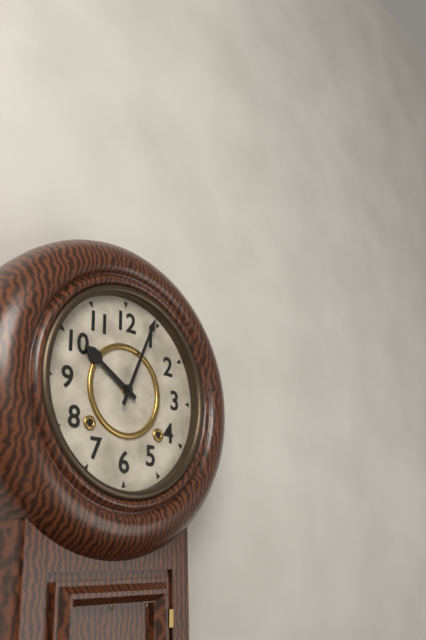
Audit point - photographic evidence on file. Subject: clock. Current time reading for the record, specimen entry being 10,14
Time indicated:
10,04
